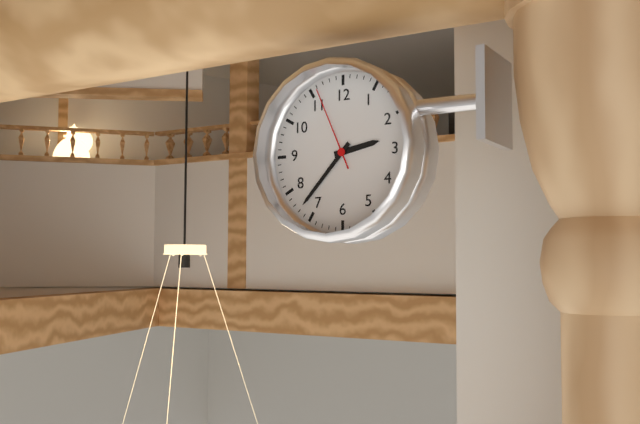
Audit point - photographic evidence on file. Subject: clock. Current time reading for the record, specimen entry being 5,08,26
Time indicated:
2,37,56
